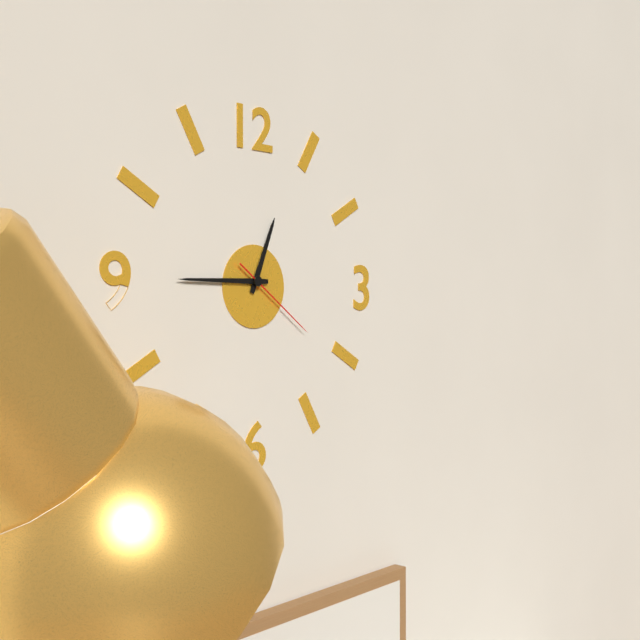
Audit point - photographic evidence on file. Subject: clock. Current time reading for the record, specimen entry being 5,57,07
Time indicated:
12,45,21
